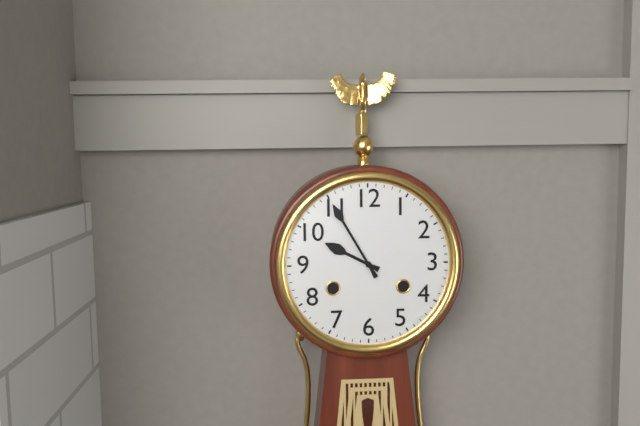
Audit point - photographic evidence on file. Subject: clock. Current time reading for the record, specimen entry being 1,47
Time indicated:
9,55
